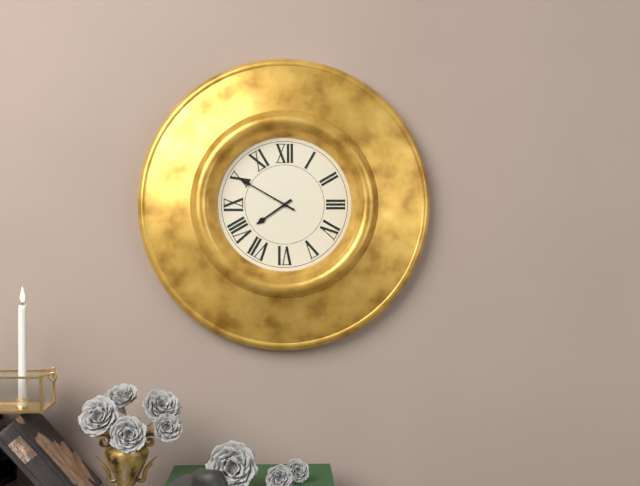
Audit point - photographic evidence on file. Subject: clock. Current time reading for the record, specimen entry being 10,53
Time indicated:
7,50
